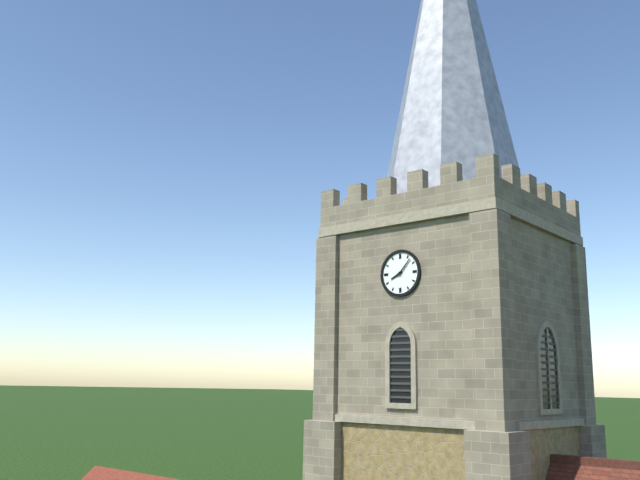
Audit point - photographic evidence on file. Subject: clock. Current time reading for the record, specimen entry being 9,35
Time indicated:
8,07
